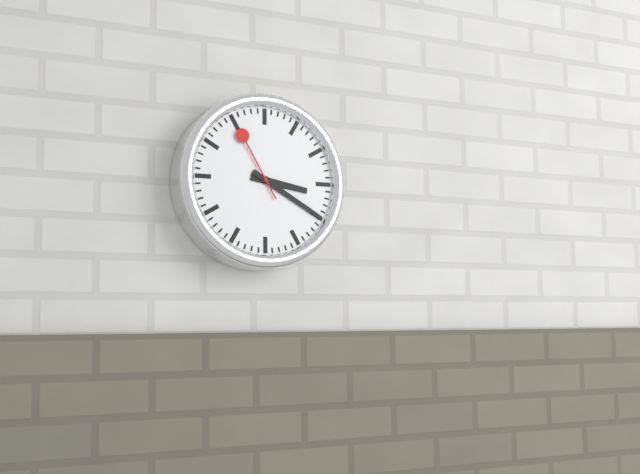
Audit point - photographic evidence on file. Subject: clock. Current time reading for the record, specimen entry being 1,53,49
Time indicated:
3,20,55
